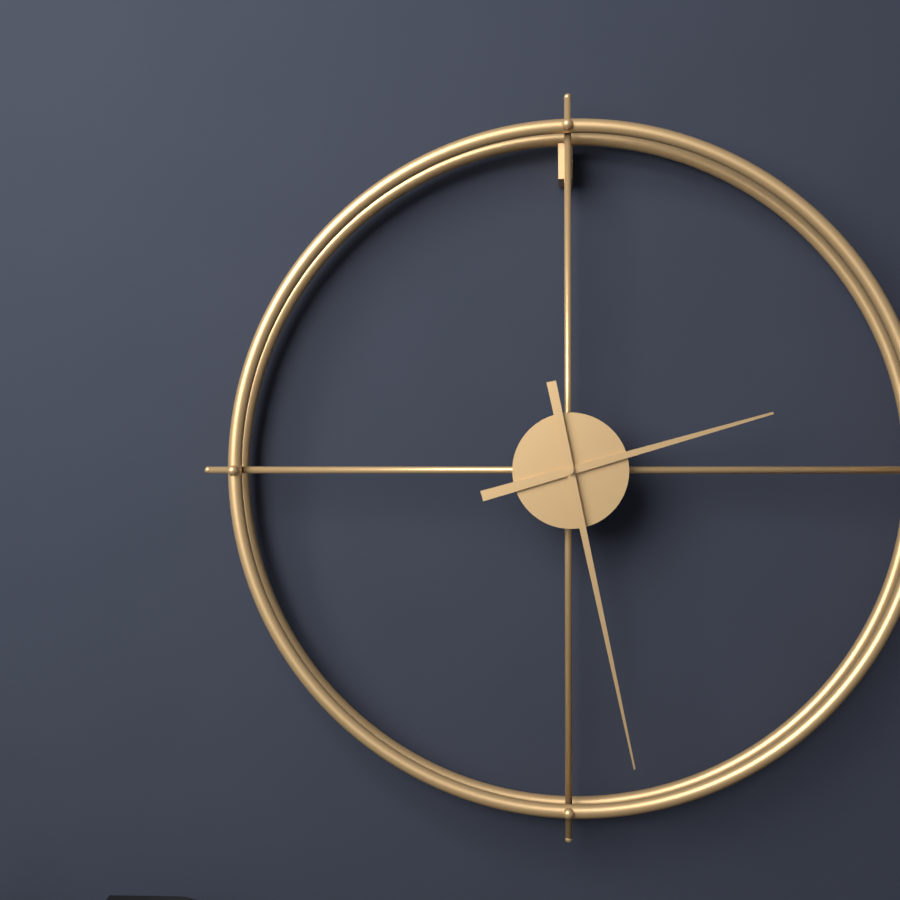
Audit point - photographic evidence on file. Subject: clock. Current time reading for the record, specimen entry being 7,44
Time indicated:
2,28
